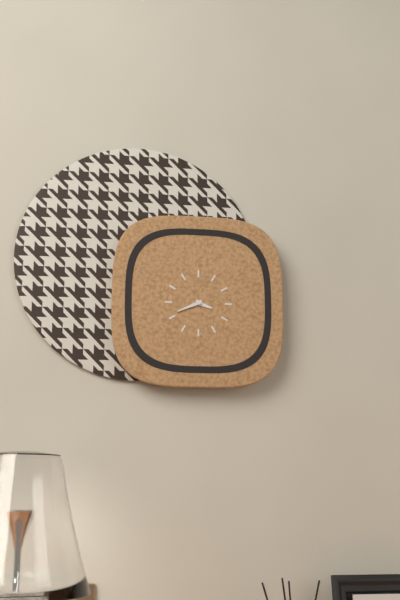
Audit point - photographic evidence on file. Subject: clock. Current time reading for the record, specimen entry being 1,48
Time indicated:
3,41
